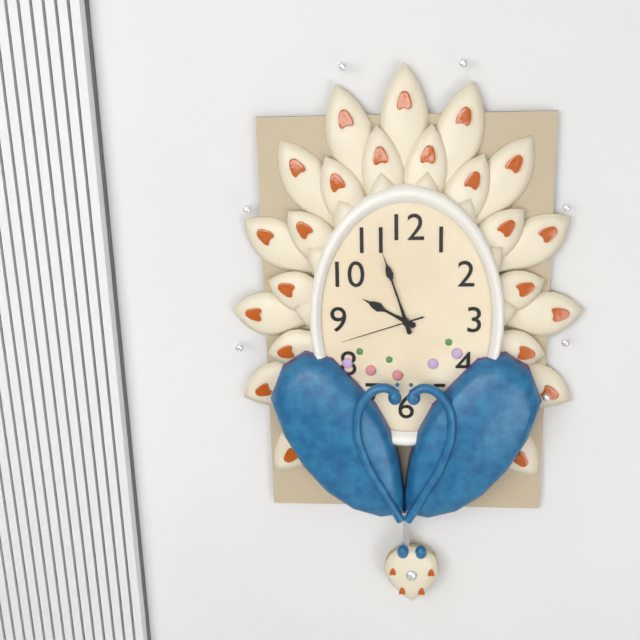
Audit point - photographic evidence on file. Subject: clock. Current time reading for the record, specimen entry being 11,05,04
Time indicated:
9,57,42
